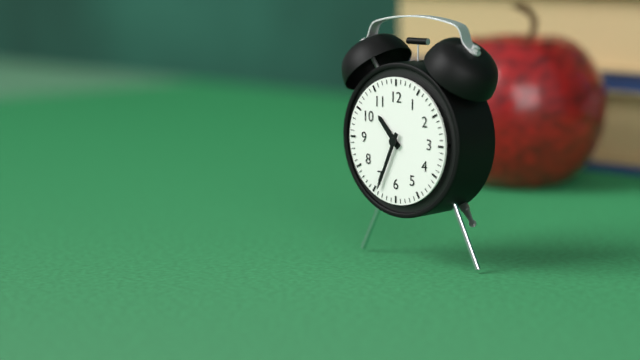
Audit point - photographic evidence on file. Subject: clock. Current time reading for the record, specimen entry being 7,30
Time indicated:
10,34
